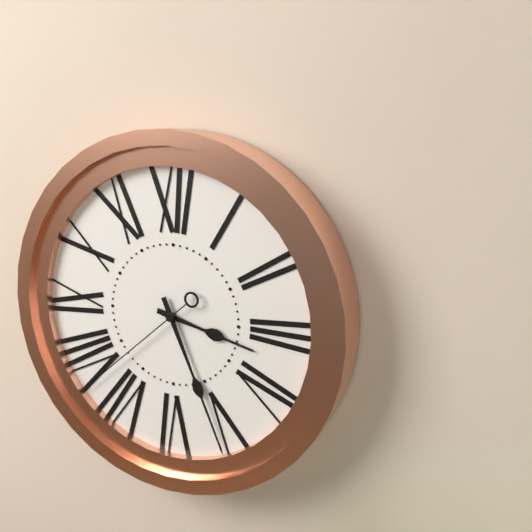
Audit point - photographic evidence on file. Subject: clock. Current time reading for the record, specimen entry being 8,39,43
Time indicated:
3,26,38
